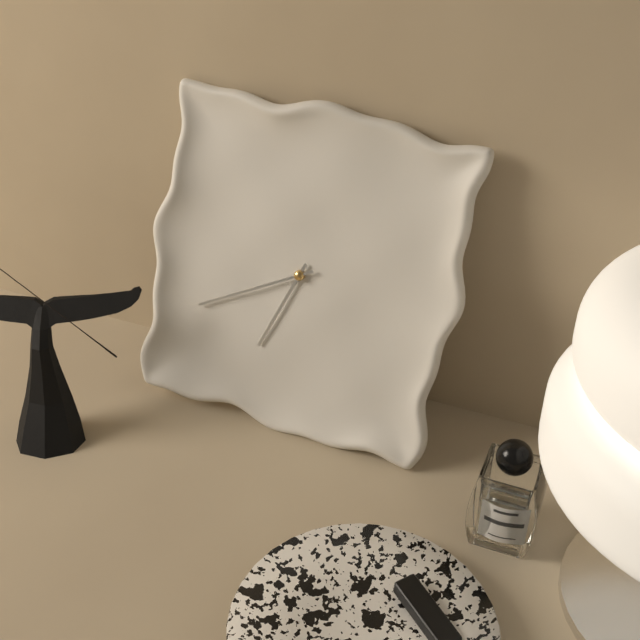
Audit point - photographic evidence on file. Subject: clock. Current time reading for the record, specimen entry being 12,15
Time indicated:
6,40
